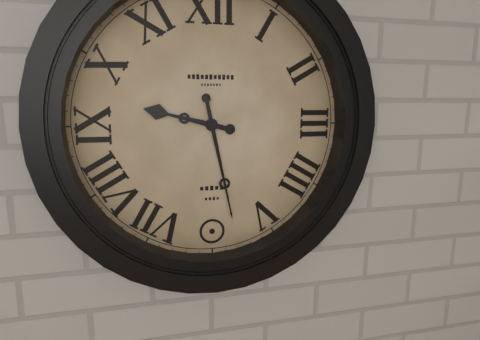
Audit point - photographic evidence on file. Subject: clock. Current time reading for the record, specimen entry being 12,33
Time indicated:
9,28
